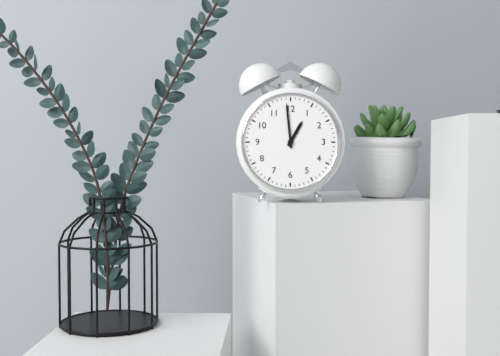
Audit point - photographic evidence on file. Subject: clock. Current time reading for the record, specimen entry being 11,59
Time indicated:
12,59
